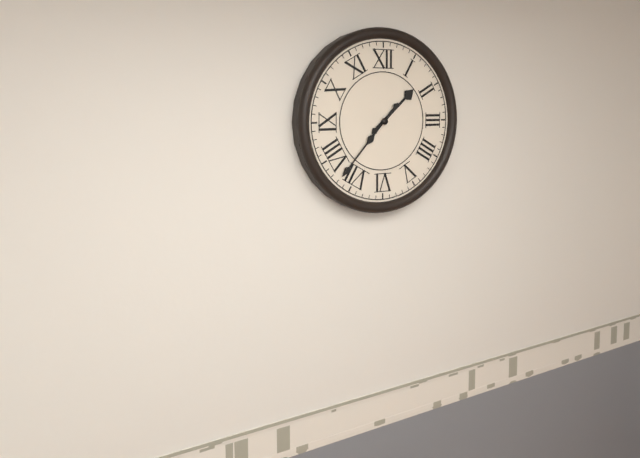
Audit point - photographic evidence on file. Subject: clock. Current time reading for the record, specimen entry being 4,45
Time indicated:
1,37
